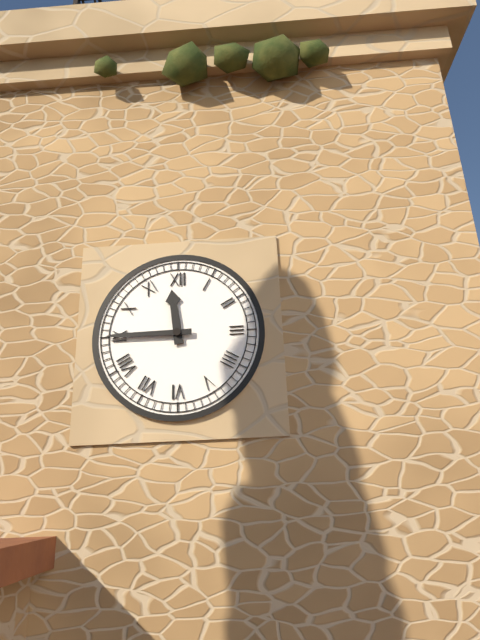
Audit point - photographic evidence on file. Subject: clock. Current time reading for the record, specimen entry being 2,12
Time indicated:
11,45
